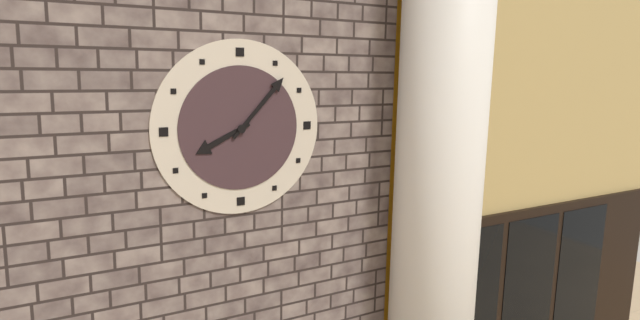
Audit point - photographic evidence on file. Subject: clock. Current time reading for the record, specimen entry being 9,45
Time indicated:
8,07
